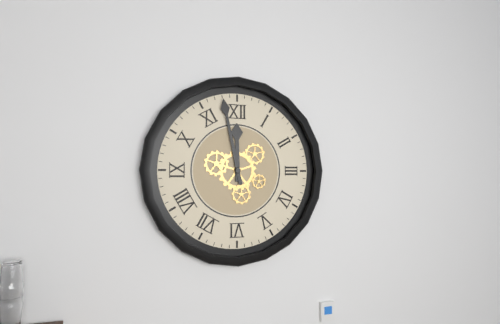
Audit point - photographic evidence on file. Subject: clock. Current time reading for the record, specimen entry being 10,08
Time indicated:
11,58
